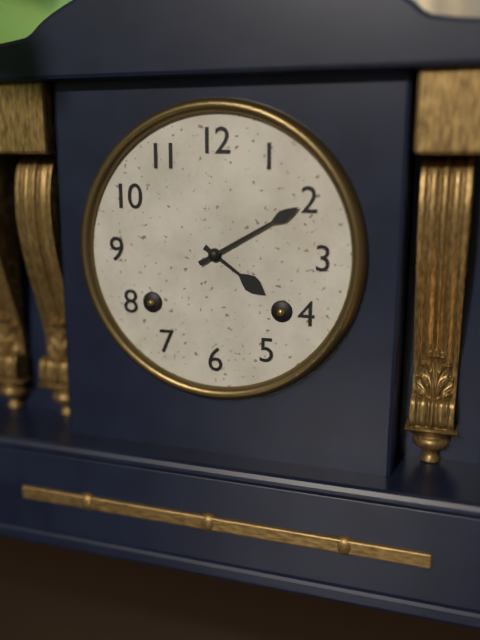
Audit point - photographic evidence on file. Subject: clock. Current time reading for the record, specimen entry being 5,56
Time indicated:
4,10
